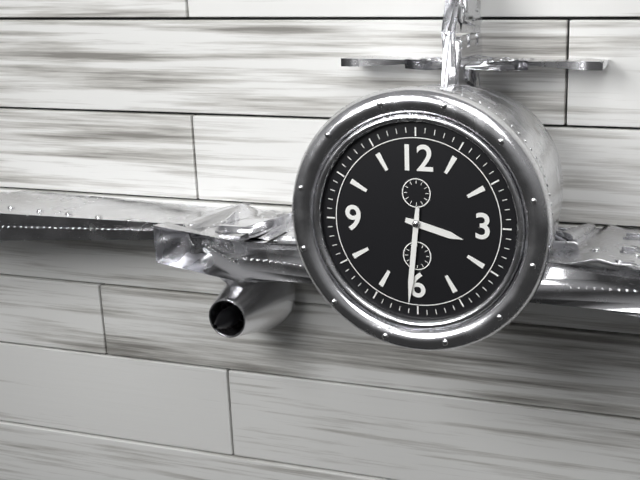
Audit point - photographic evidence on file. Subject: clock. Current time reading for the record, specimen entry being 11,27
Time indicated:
3,31
